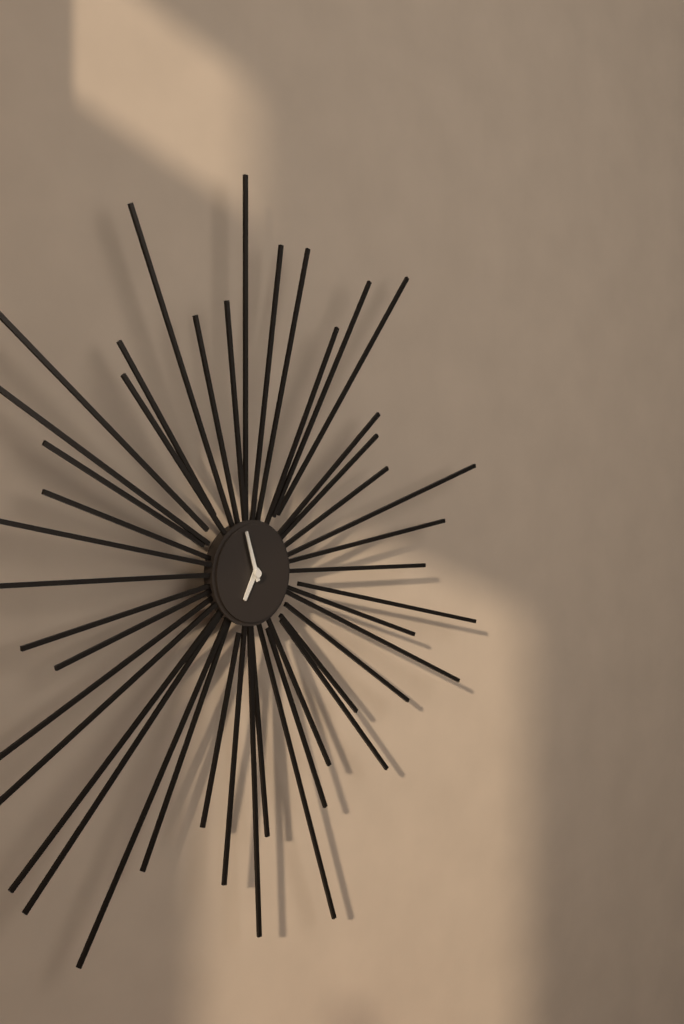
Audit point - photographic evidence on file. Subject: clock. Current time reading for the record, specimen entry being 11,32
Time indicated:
6,57
